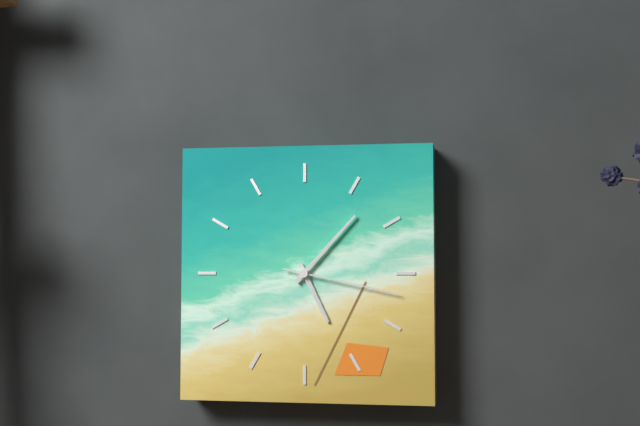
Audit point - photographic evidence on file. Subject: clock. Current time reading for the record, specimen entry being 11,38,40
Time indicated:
5,07,17
